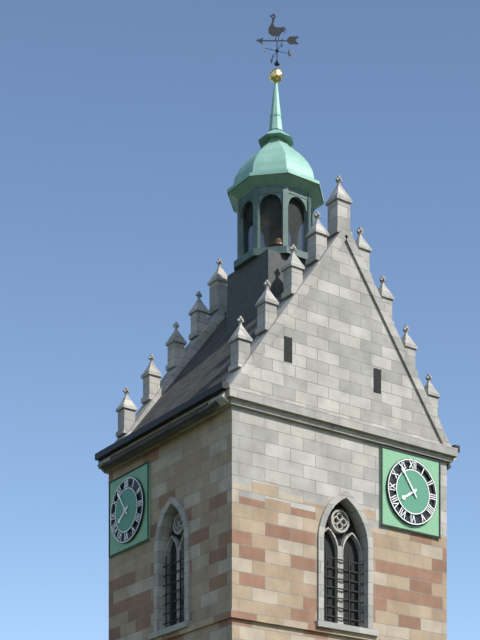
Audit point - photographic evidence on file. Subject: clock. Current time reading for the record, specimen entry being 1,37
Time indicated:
7,54
